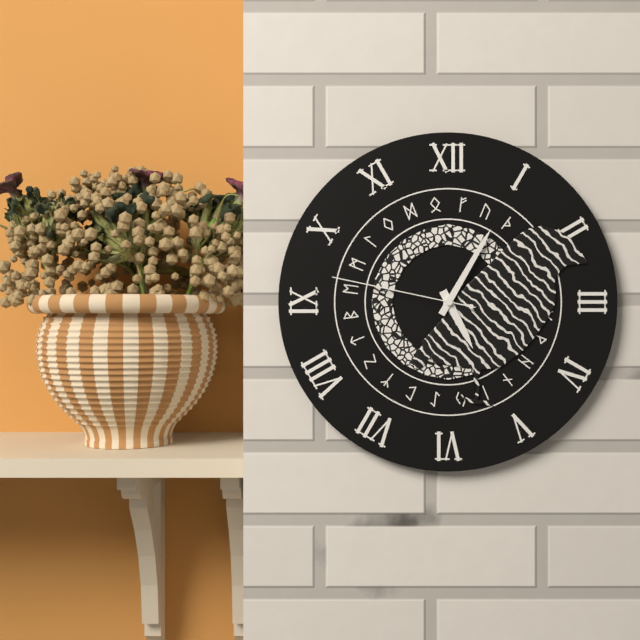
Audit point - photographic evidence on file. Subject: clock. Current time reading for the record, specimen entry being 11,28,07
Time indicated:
5,05,47
